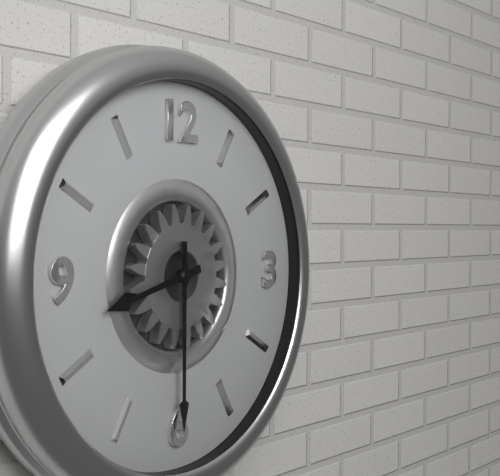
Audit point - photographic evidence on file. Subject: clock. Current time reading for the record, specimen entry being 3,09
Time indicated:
8,30
